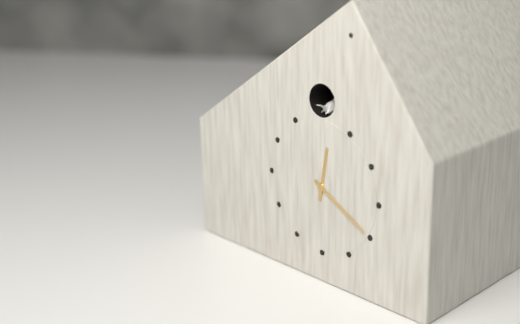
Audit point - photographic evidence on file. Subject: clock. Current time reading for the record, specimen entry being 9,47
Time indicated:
12,20
